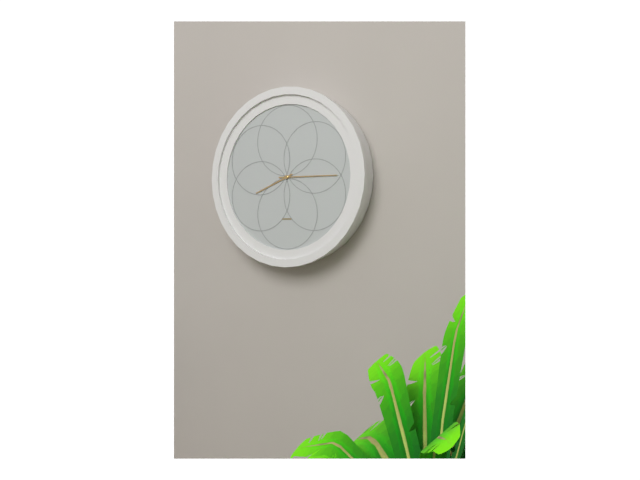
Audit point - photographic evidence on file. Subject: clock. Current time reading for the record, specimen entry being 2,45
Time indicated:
8,15
